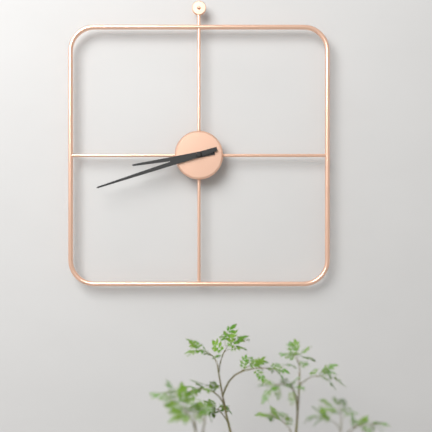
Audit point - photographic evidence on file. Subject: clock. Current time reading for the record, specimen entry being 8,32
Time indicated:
8,42
